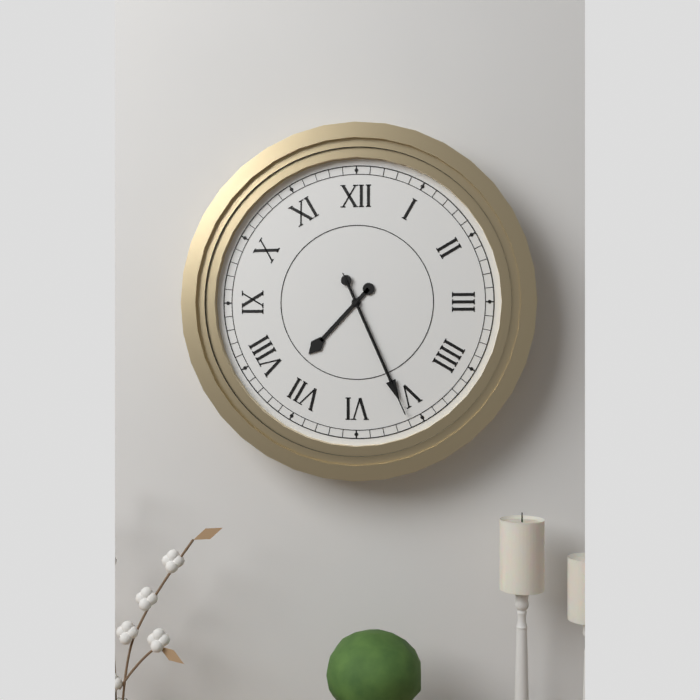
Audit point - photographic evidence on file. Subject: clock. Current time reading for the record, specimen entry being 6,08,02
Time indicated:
7,26,26
